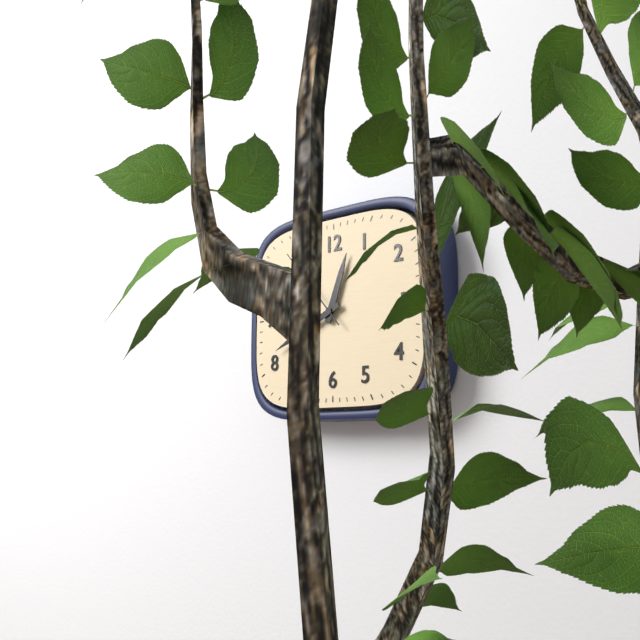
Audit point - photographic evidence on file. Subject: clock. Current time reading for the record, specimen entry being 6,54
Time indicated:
12,41
